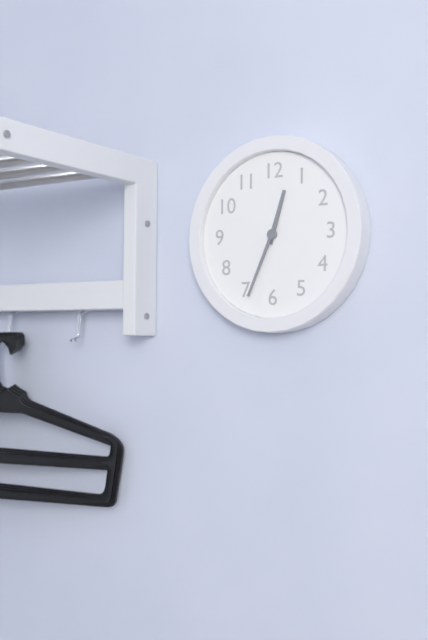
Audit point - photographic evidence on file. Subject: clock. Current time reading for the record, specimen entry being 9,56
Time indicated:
12,34
